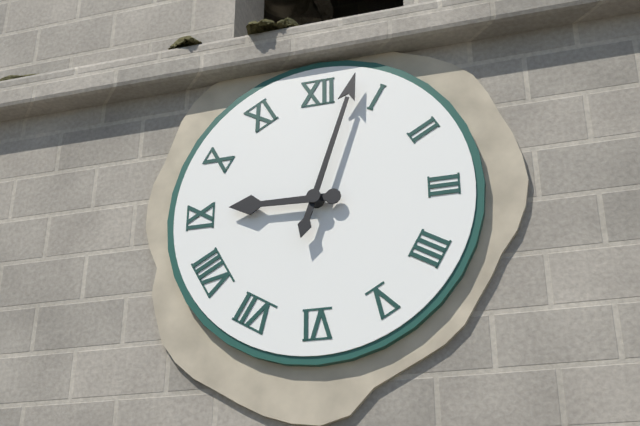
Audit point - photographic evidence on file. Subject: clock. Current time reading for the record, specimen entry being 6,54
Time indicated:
9,03
